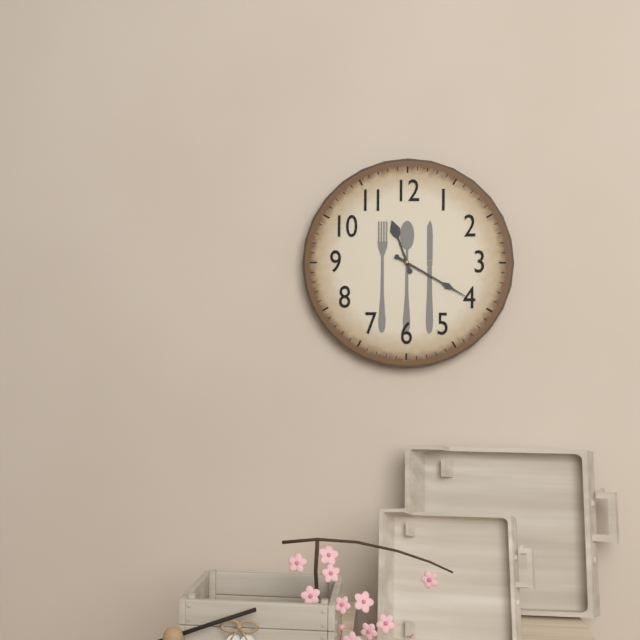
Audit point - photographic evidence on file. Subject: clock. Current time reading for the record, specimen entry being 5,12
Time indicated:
11,20
